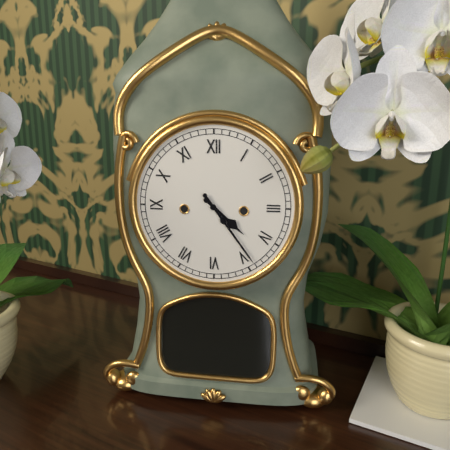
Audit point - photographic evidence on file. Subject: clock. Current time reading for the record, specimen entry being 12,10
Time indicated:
4,24
